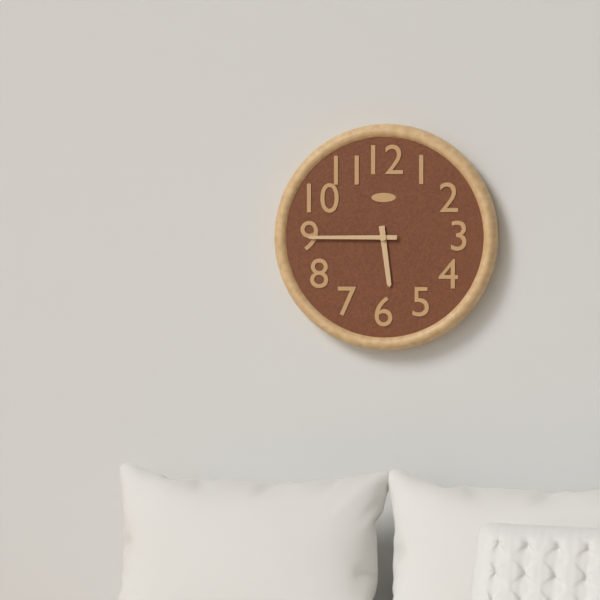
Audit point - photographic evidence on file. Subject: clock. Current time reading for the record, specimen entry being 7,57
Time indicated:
5,45
